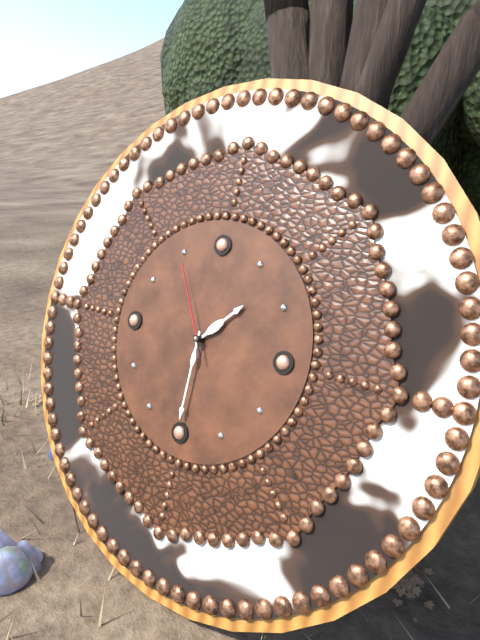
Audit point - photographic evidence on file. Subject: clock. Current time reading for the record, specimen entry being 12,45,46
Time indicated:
1,30,55
